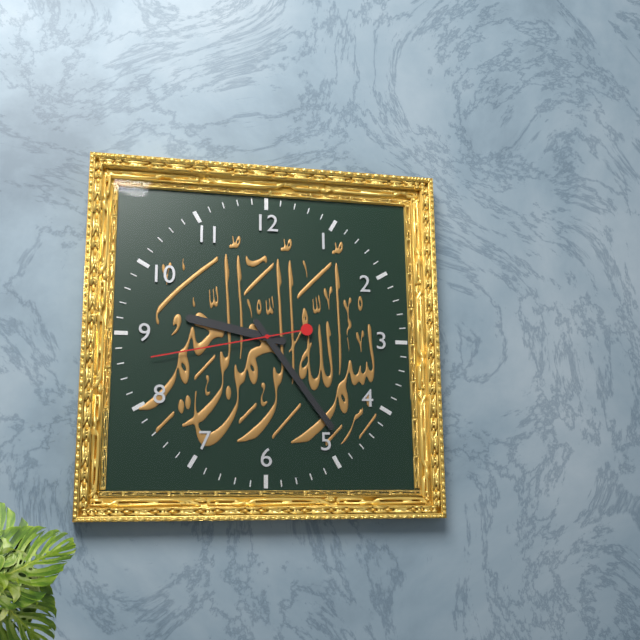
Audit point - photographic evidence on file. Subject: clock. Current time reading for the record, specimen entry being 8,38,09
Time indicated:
9,24,43
